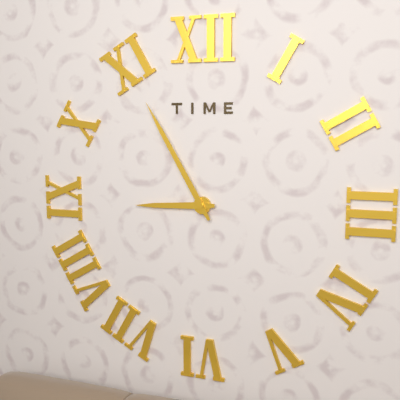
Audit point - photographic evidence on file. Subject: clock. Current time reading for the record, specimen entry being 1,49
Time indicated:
8,55
